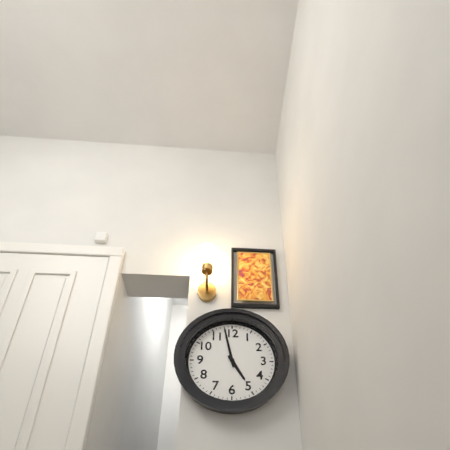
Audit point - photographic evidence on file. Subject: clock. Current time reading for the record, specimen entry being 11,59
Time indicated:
4,58
